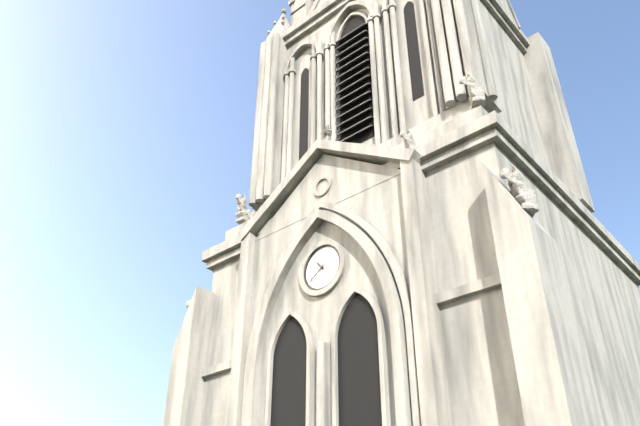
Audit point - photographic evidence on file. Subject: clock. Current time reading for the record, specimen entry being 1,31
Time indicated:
10,39
